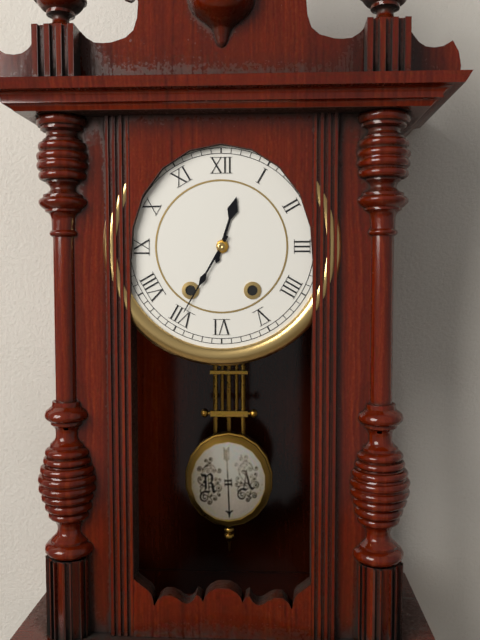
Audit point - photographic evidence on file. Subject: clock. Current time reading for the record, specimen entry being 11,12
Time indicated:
12,35
